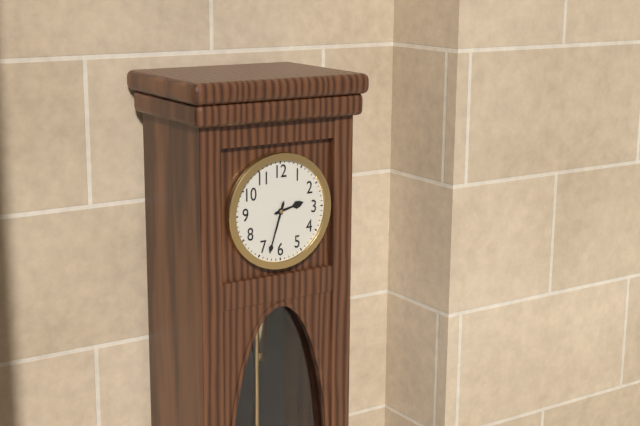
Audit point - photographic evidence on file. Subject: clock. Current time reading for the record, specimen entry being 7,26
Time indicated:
2,33
